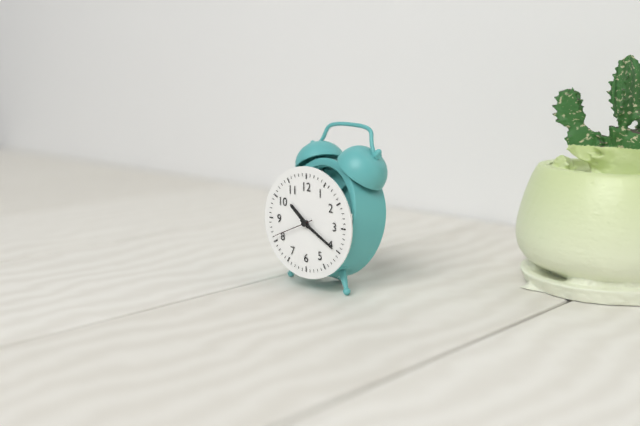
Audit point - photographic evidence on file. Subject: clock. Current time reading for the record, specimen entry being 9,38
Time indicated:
10,20
